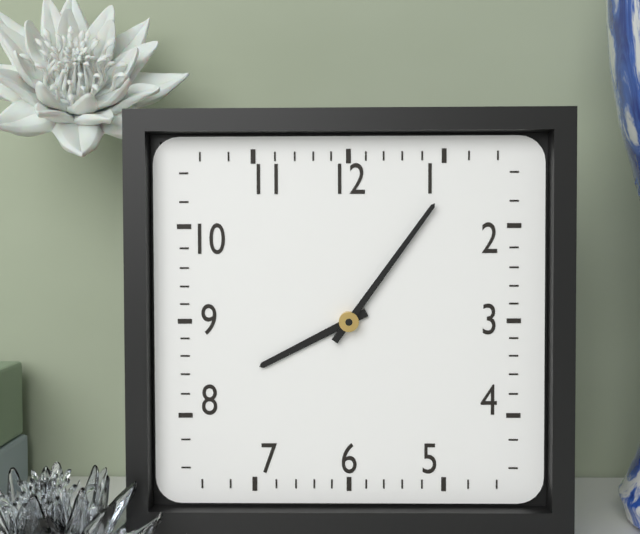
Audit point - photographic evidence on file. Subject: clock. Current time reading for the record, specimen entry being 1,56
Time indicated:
8,06
